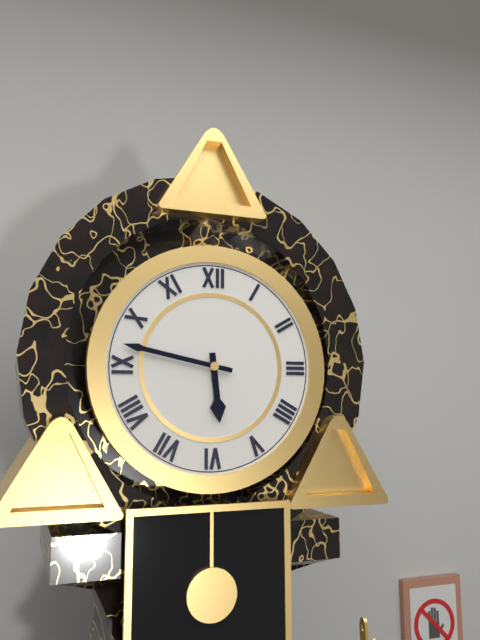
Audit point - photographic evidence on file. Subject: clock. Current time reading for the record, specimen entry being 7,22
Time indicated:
5,47
